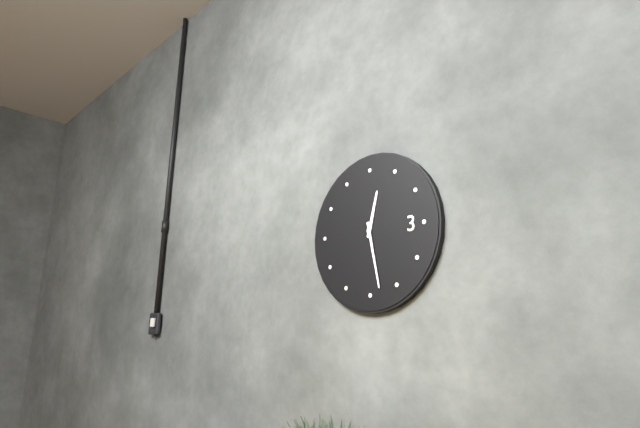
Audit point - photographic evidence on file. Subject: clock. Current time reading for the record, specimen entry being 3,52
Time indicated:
12,28
